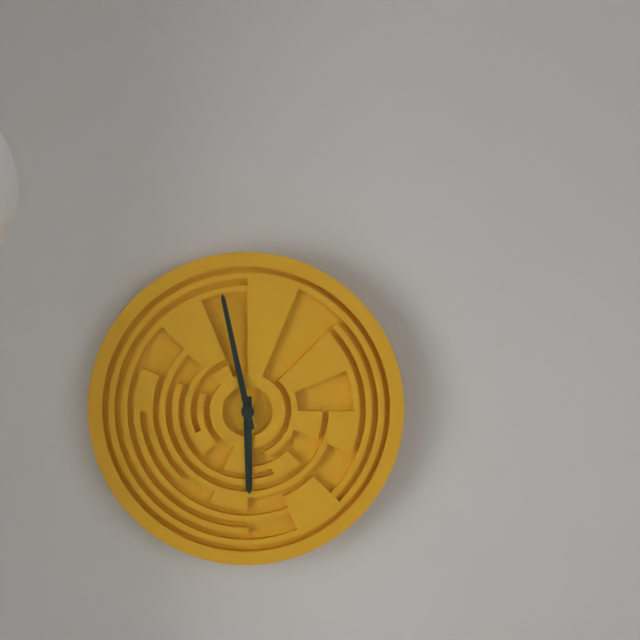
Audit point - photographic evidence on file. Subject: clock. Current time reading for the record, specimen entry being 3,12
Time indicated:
5,58
